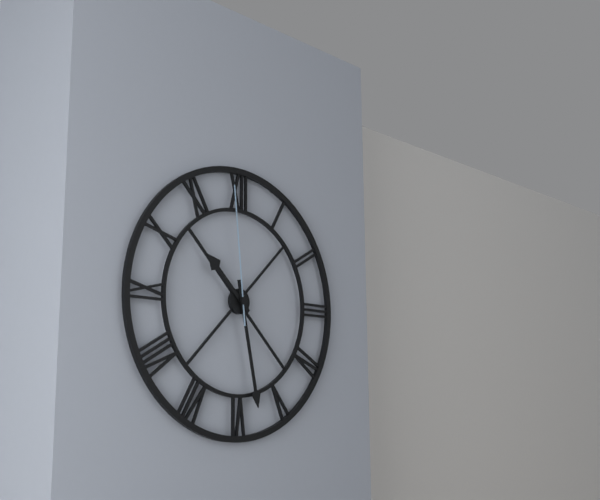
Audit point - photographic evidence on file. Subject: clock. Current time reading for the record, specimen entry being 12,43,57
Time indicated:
10,28,59
